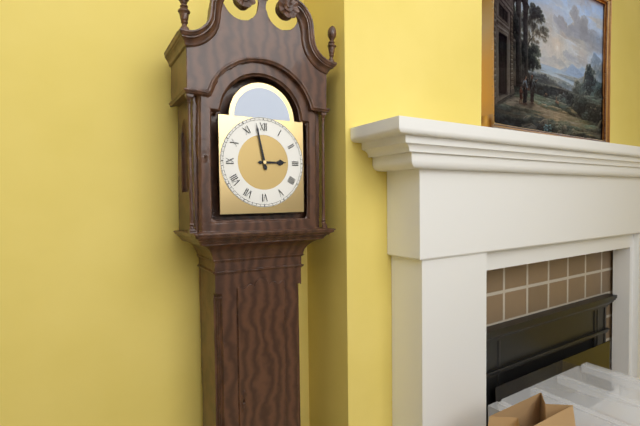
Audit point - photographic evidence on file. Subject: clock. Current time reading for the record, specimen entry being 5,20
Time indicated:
2,58
